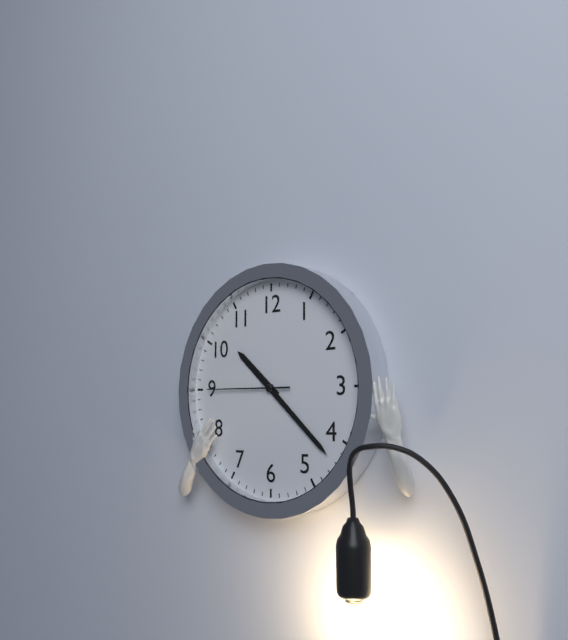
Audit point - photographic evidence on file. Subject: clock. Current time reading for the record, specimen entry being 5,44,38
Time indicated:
10,22,45
